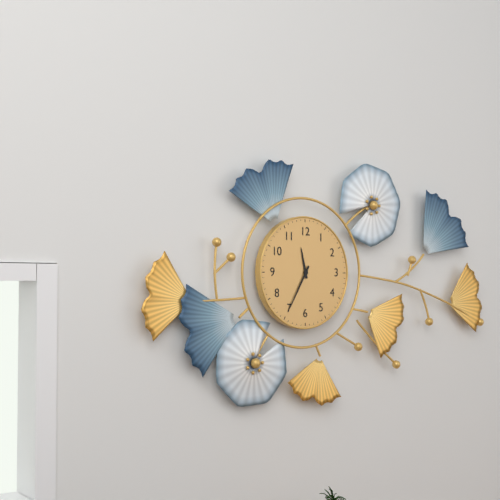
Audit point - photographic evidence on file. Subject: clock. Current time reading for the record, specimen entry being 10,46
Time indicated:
11,35
